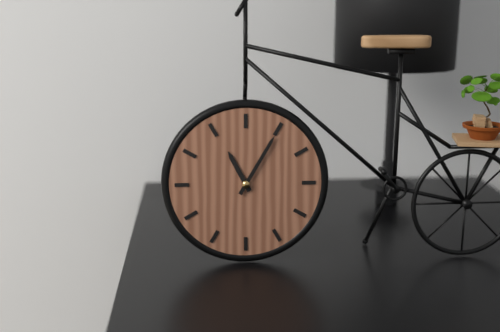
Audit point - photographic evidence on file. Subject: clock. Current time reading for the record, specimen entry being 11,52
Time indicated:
11,05
